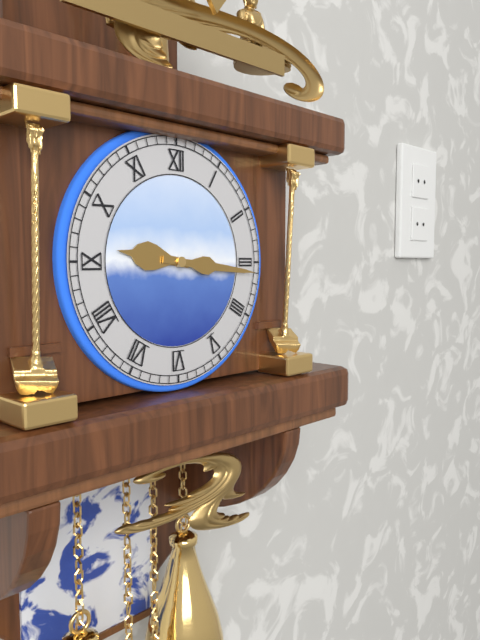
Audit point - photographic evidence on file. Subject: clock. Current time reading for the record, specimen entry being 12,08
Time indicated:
9,16
